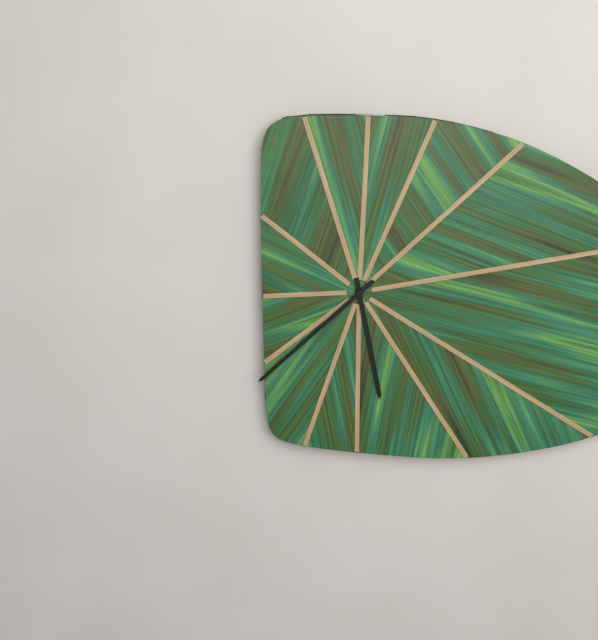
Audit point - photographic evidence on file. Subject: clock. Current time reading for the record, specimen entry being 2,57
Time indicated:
5,38
